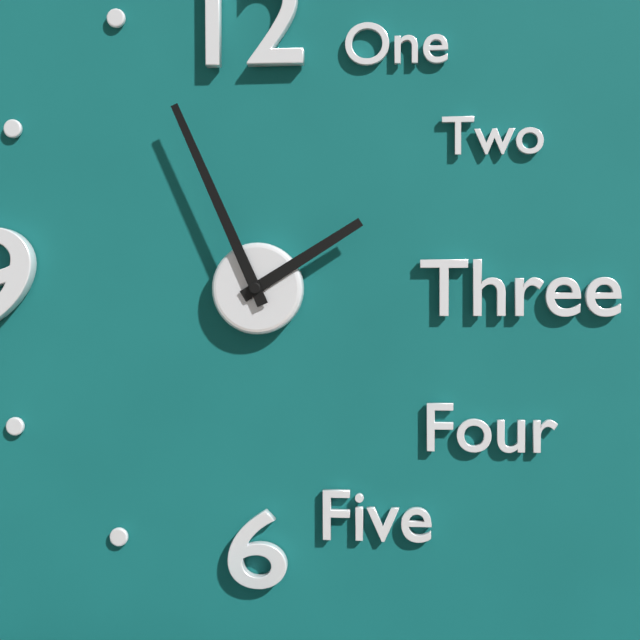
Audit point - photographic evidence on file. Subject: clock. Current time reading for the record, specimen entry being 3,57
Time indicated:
1,56
